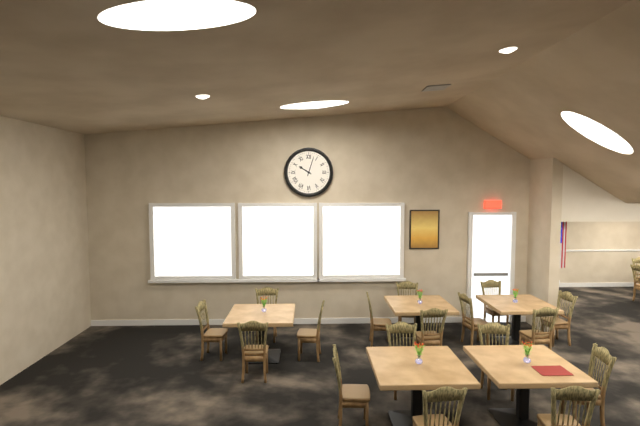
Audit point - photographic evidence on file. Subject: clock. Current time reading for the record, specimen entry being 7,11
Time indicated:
10,03
